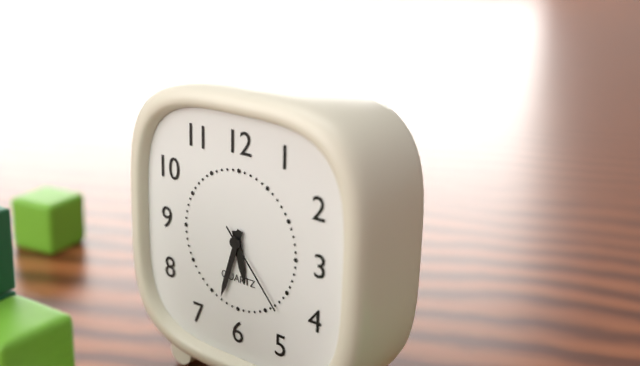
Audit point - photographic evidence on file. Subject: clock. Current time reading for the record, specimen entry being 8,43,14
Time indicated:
5,33,23
